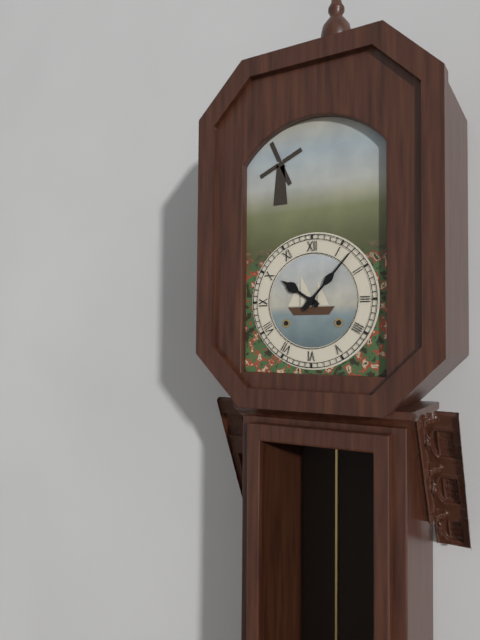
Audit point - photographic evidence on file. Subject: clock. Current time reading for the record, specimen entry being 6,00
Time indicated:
10,07
